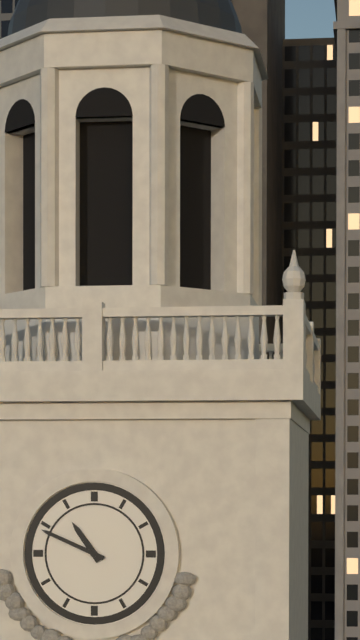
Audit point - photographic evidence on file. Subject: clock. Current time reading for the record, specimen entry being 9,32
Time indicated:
10,49
